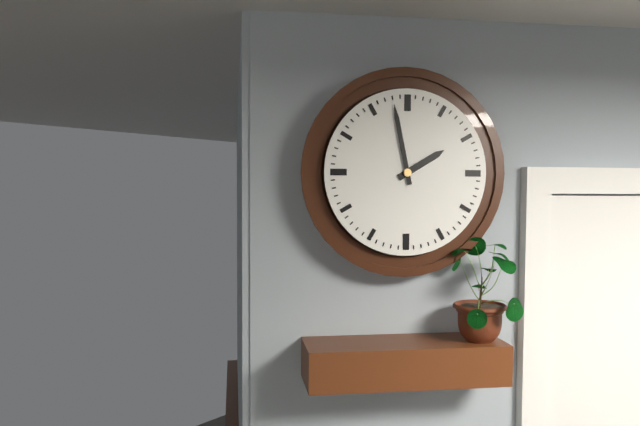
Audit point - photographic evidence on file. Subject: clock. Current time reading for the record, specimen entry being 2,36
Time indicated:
1,58
